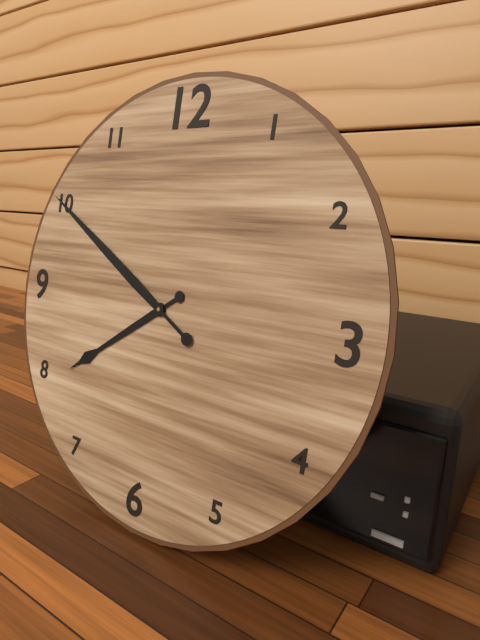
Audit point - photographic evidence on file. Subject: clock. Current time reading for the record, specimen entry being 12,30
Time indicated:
7,50
